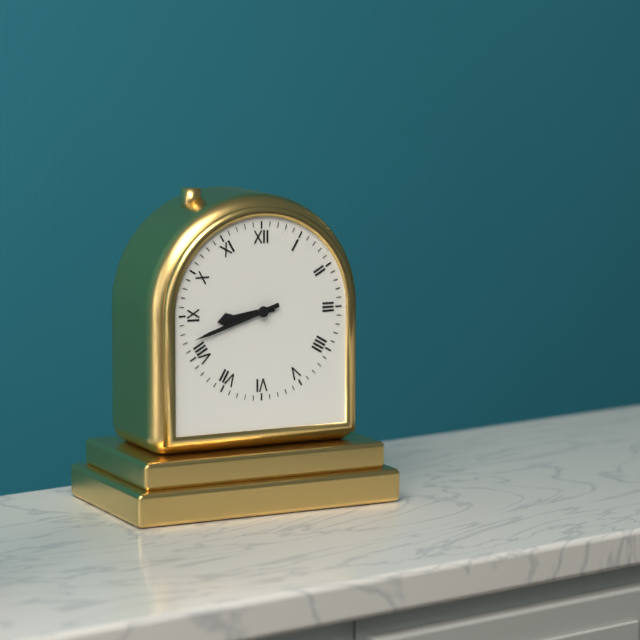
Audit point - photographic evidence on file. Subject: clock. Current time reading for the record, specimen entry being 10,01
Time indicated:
8,42
